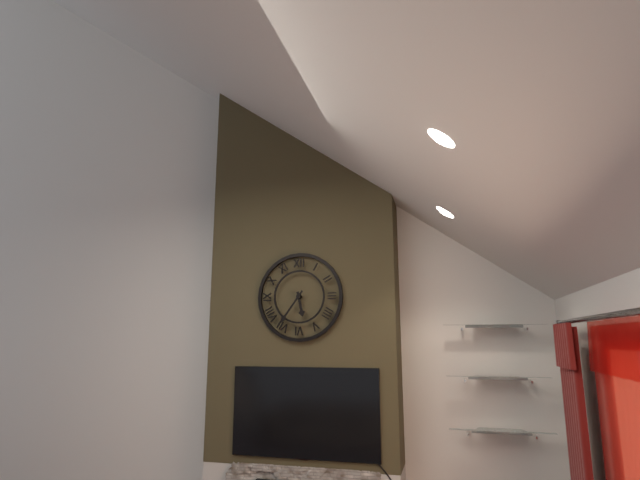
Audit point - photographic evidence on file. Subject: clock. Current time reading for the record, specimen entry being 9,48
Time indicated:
5,36
